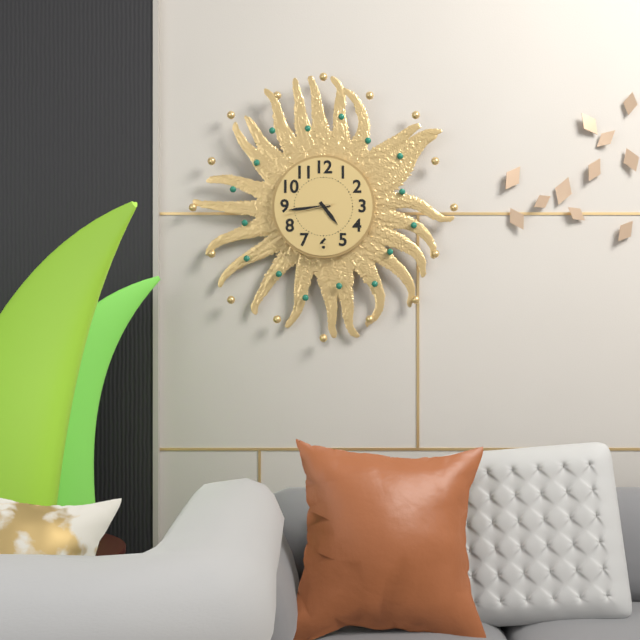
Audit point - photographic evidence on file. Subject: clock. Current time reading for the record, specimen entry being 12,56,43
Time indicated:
4,44,43
